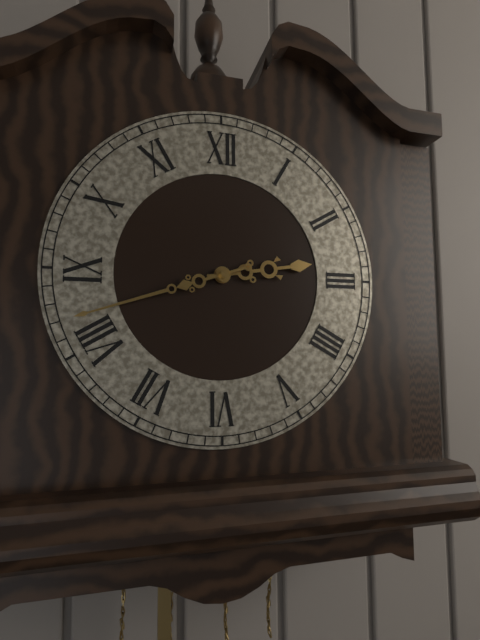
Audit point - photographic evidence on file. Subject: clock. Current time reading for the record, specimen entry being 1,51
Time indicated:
2,42
